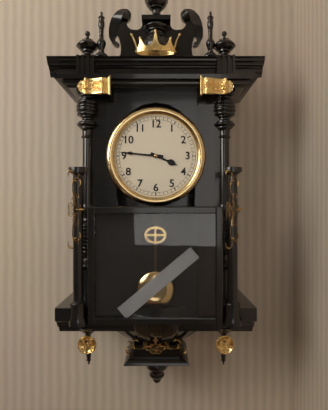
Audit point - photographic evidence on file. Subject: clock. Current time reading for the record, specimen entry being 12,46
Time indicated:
3,46
